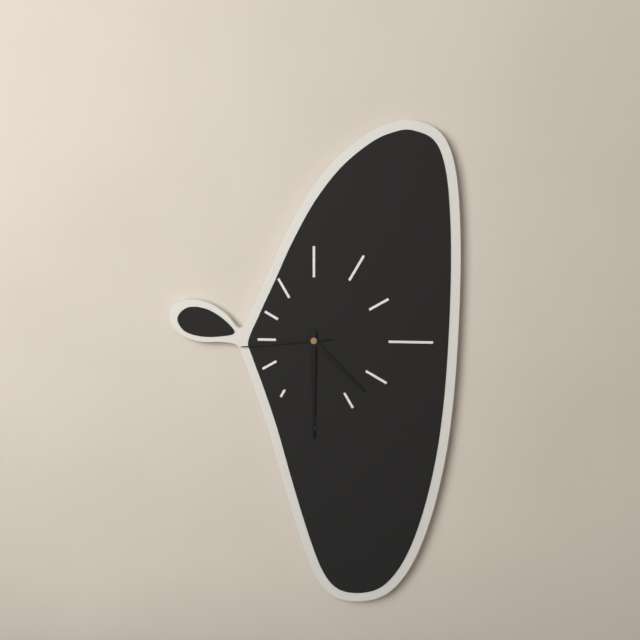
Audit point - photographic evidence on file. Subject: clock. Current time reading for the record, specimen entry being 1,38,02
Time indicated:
4,30,44
